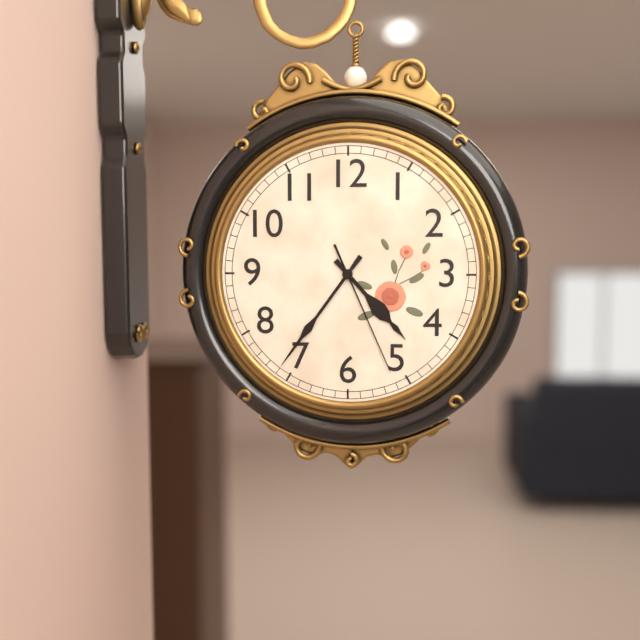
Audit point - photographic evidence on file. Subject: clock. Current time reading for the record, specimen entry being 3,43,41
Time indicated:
4,36,26
